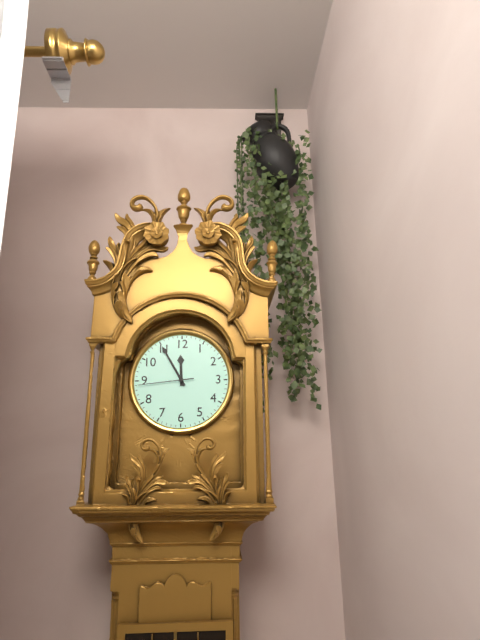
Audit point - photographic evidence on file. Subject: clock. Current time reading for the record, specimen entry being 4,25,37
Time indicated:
11,55,44
